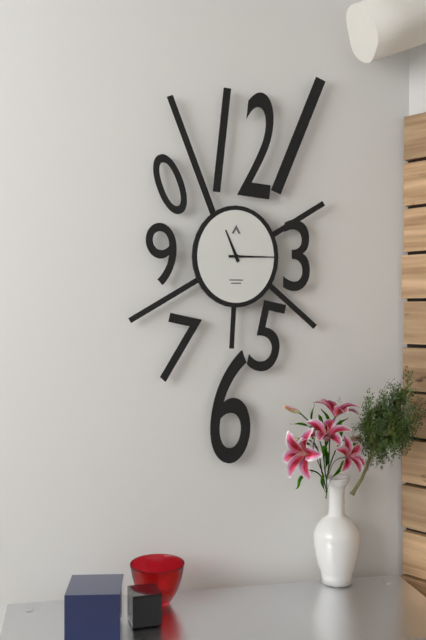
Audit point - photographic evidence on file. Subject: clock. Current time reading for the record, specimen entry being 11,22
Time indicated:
11,15
